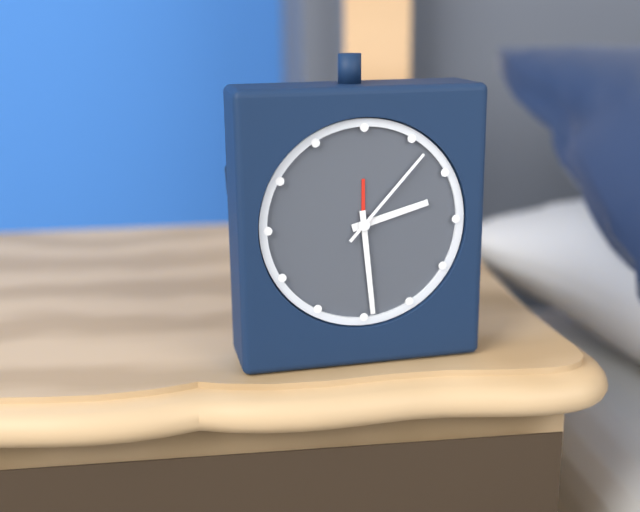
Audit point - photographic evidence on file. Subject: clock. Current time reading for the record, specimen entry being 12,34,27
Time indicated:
2,29,07
